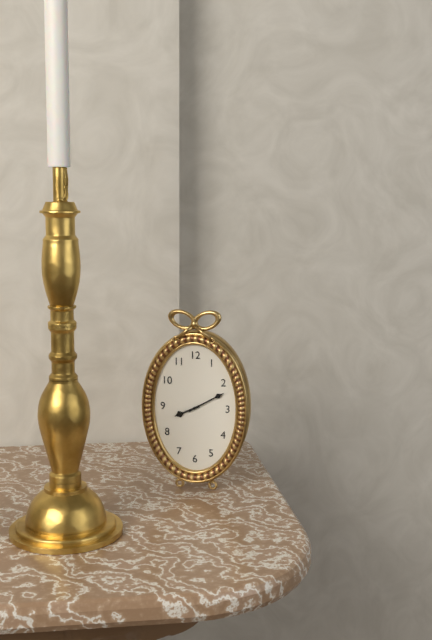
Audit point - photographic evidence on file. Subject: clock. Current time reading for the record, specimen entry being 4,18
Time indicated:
8,10
